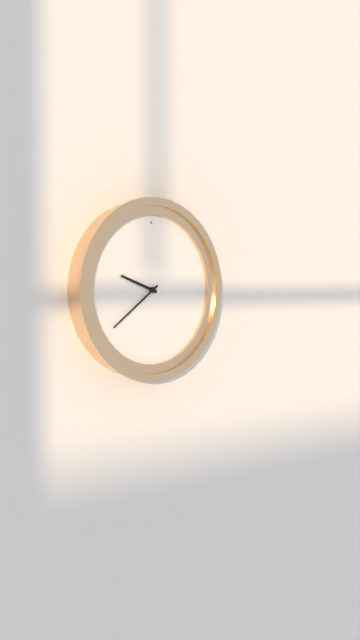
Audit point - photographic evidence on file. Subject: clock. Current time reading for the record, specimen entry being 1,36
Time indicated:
9,39
